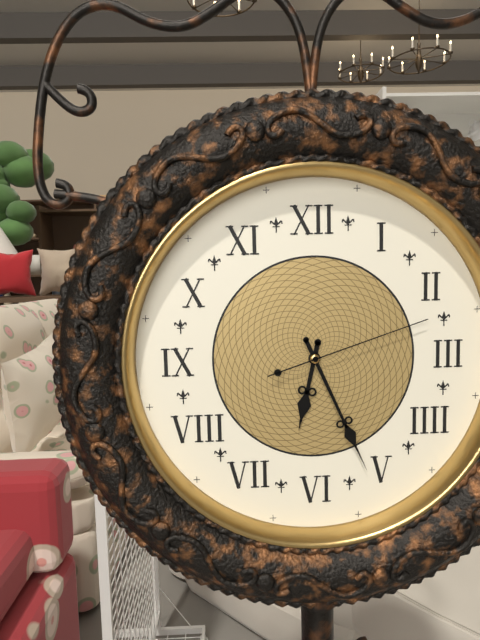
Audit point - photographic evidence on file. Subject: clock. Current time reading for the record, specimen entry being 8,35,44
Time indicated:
6,26,12
